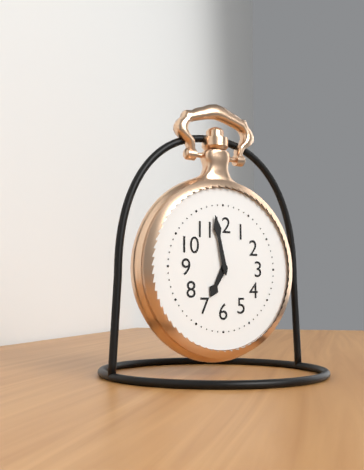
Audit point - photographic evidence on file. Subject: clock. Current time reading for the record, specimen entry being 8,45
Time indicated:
6,58
